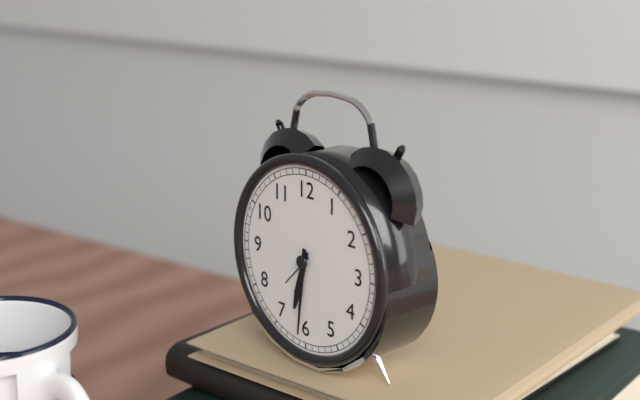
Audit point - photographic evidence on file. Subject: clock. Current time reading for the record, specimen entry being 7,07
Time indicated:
6,31
